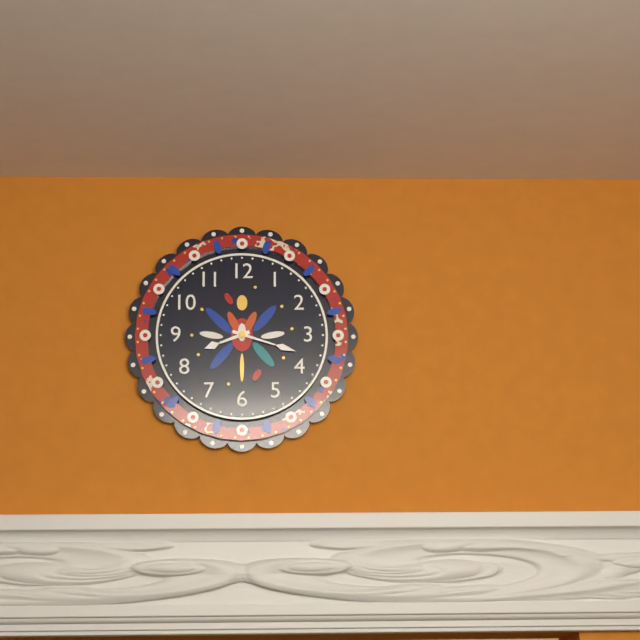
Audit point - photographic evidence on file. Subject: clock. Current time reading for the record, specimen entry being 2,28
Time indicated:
8,18
